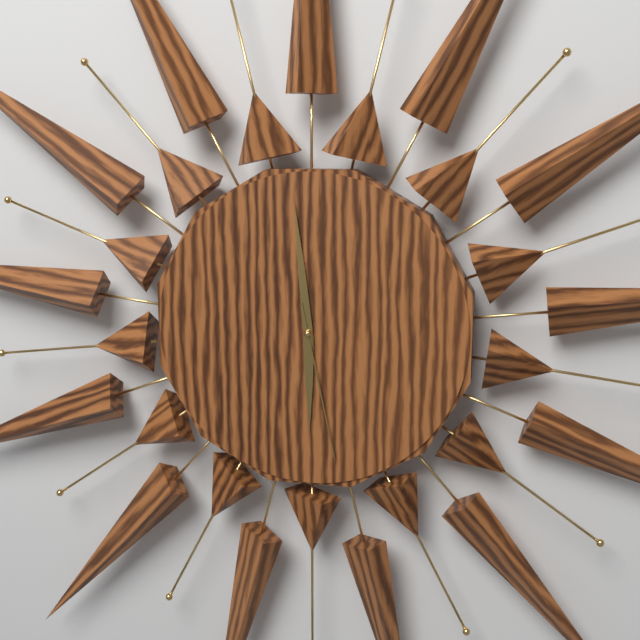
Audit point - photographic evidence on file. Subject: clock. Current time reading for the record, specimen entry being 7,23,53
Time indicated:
5,59,28
